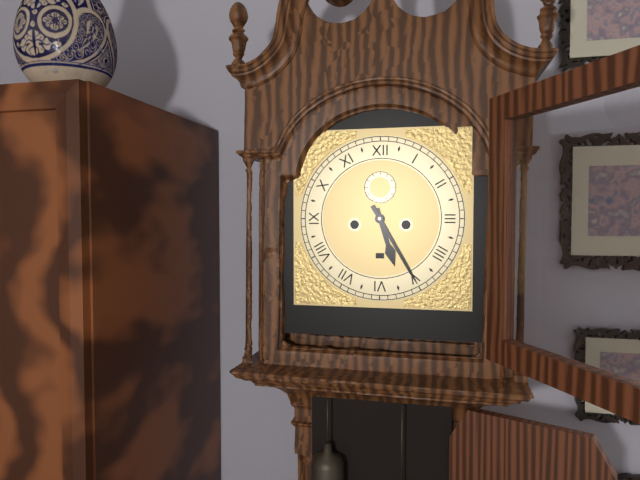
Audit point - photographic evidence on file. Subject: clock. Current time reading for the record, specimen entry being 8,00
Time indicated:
5,25
